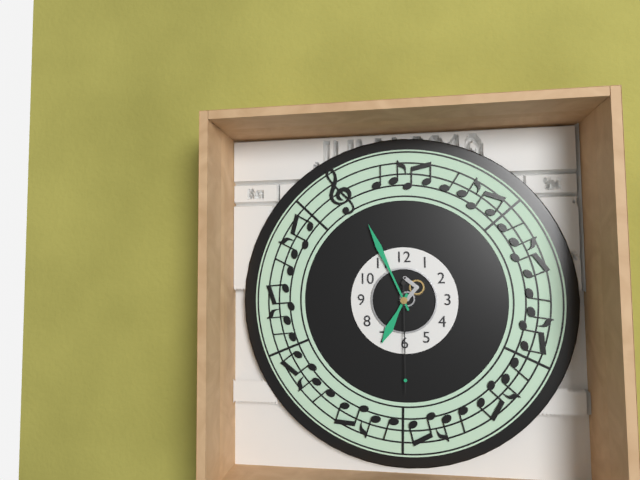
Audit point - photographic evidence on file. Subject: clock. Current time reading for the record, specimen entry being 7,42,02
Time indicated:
6,56,30
